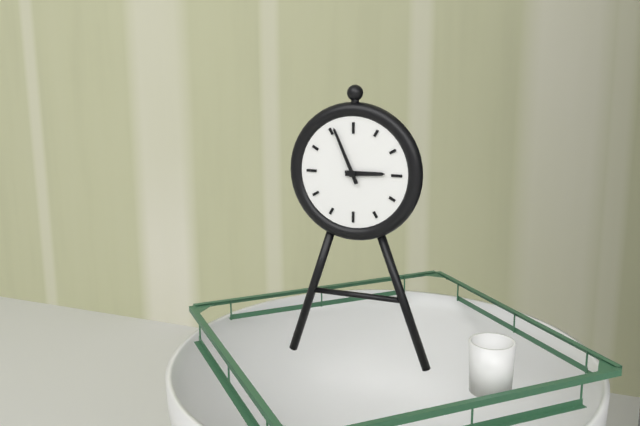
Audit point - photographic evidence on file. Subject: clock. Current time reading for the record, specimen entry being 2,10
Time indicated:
2,56
